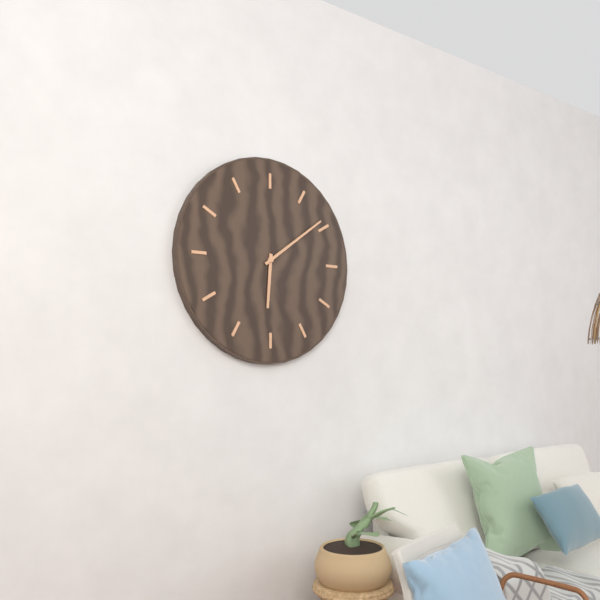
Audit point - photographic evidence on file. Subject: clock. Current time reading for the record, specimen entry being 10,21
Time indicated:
6,09
